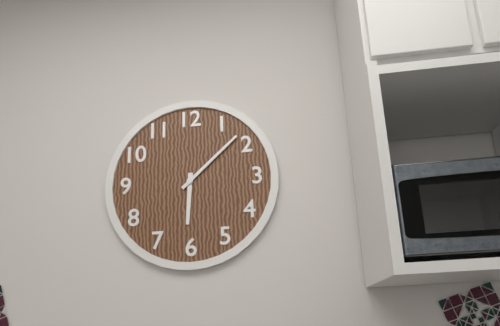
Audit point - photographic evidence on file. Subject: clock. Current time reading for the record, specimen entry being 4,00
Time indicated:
6,08
